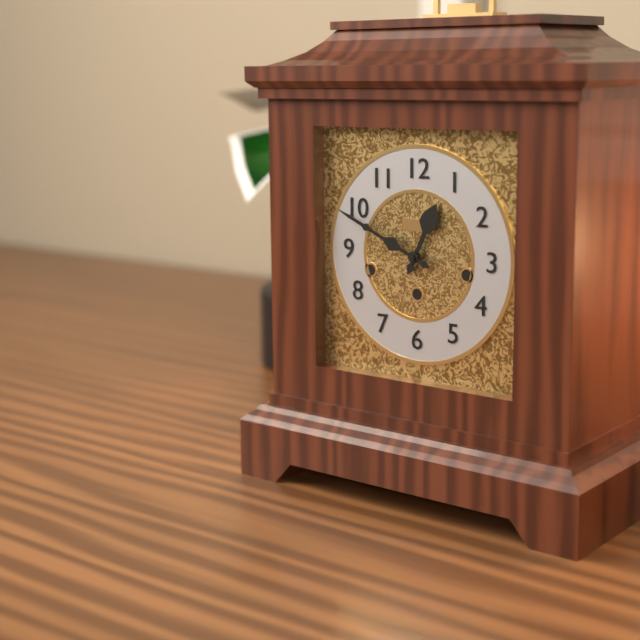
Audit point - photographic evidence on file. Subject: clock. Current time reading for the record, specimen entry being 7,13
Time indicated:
12,49
